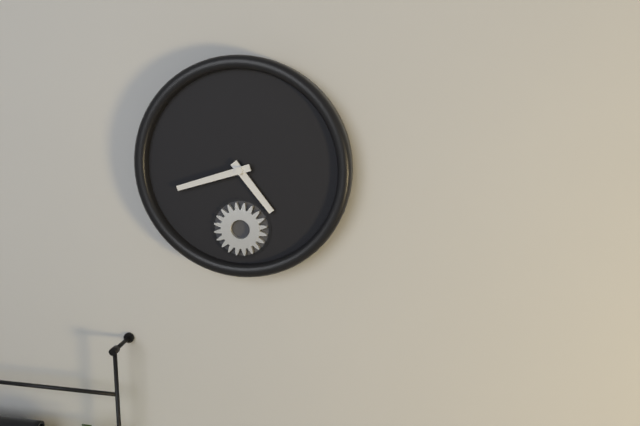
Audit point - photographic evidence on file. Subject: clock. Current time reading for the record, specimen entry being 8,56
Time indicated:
4,42
